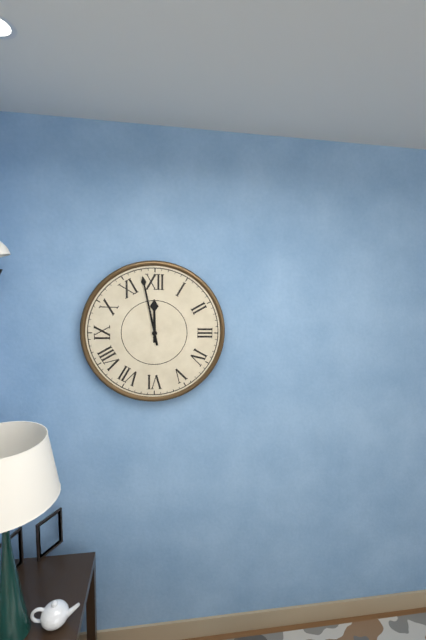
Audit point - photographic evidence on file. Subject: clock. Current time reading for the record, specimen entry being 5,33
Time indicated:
11,58
